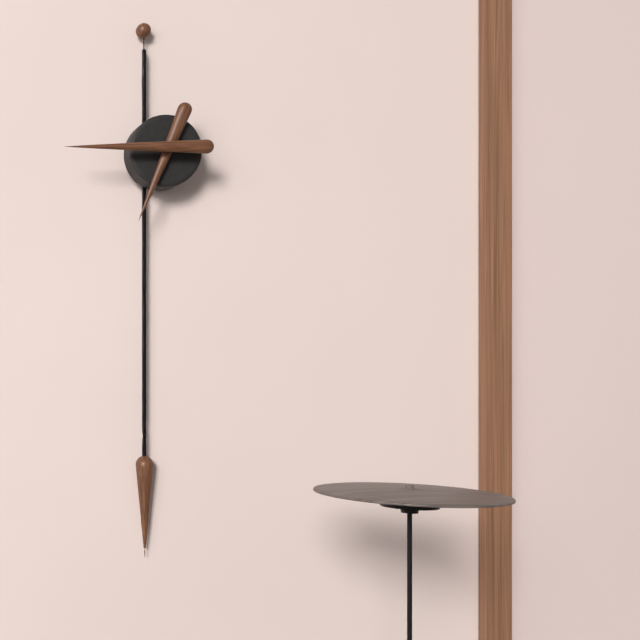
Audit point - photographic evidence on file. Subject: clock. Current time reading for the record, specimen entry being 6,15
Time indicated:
6,45
